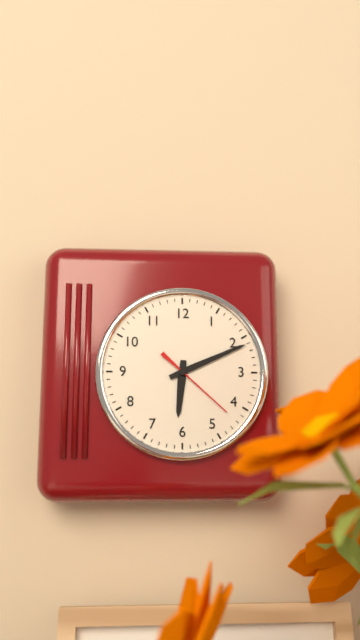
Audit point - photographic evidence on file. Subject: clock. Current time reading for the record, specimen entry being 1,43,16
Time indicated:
6,11,22
